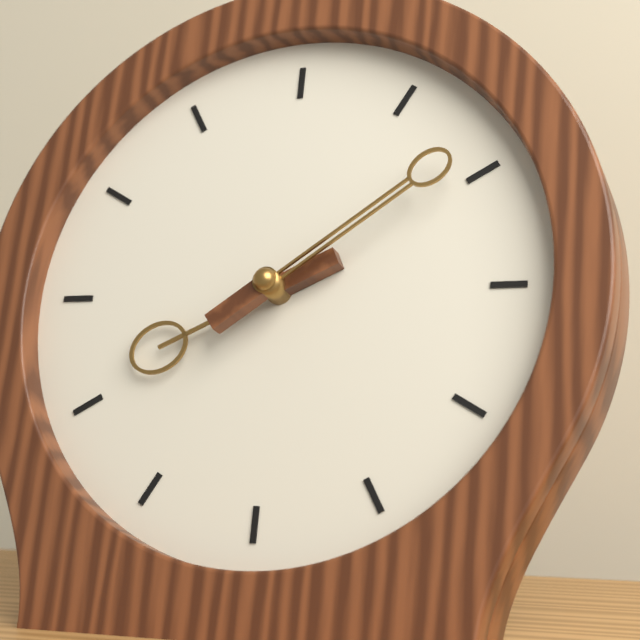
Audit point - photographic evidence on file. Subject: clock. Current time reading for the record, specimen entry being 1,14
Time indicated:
8,09
